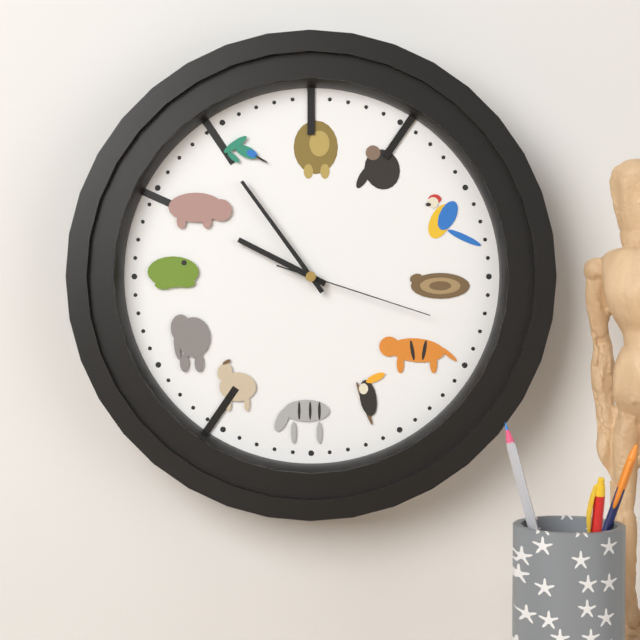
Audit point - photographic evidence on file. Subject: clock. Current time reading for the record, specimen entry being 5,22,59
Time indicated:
9,54,18
